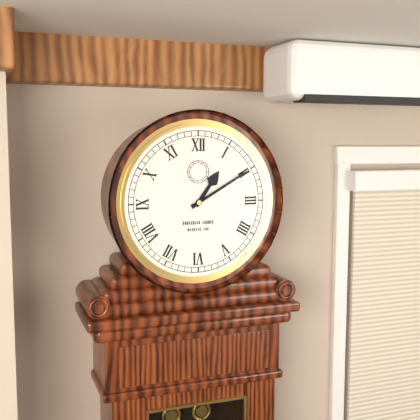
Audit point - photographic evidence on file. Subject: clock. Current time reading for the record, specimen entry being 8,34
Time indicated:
1,10
